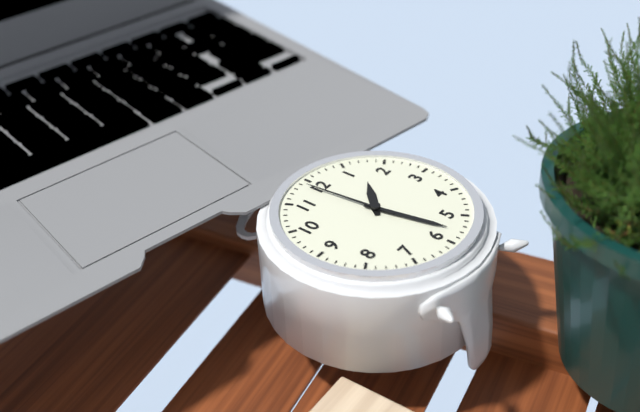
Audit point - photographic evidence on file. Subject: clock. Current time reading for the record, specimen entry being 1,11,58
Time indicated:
1,28,59
